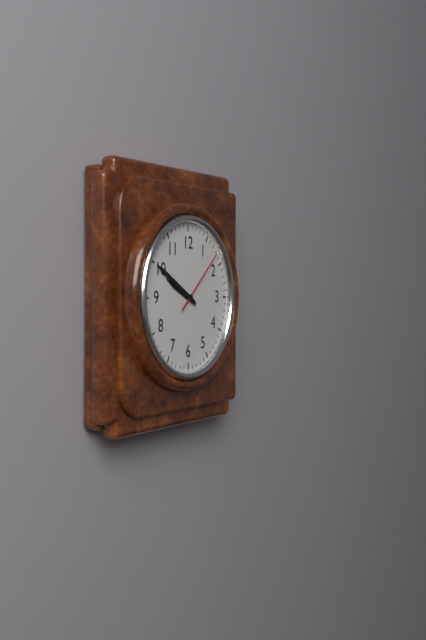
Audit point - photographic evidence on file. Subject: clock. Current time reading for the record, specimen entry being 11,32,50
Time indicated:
9,50,08
